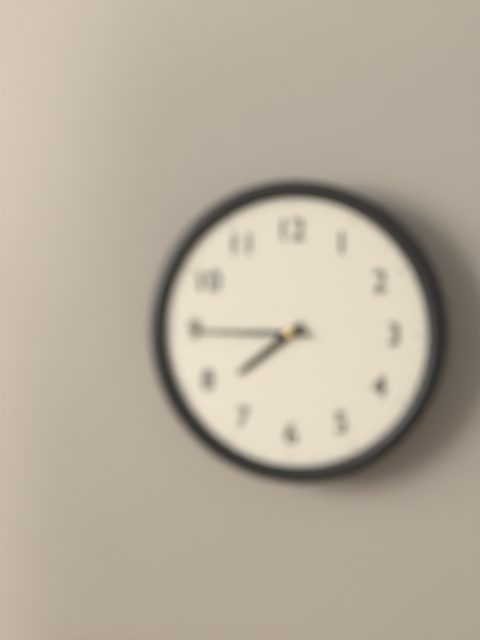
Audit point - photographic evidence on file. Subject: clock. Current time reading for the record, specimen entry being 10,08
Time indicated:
7,45
